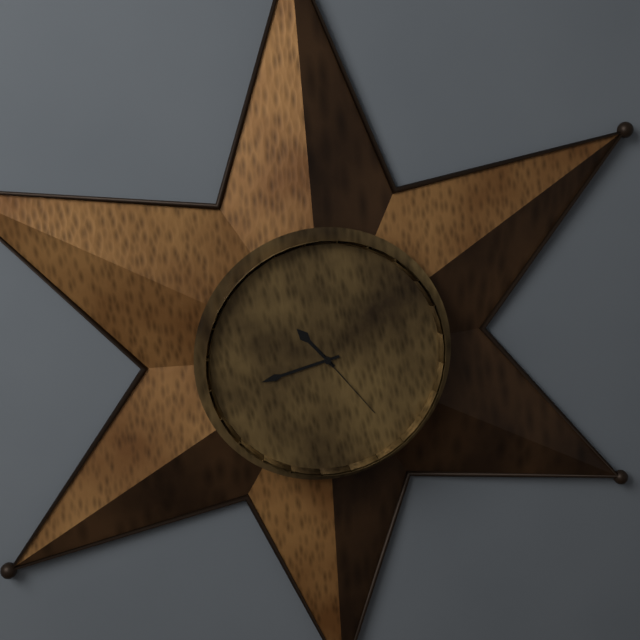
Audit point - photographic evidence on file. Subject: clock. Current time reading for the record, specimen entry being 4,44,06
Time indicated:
10,43,24
